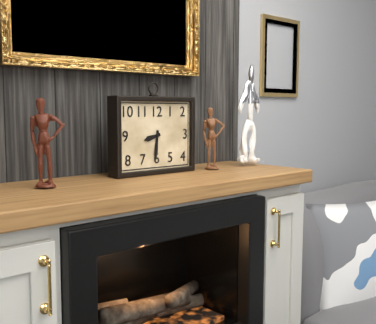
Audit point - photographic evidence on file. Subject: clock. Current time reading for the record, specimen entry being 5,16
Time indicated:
8,31
